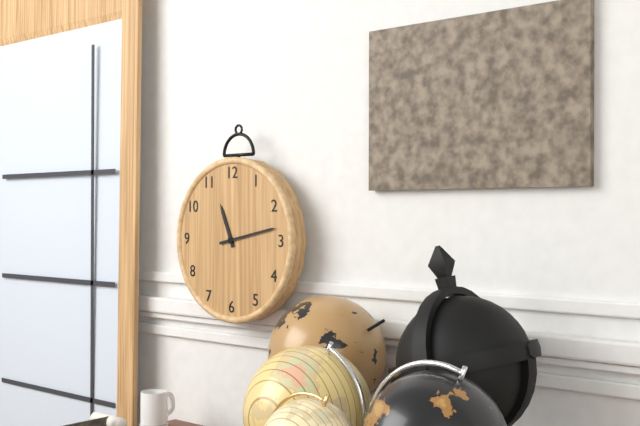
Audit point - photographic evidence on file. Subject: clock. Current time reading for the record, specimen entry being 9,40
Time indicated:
11,13
